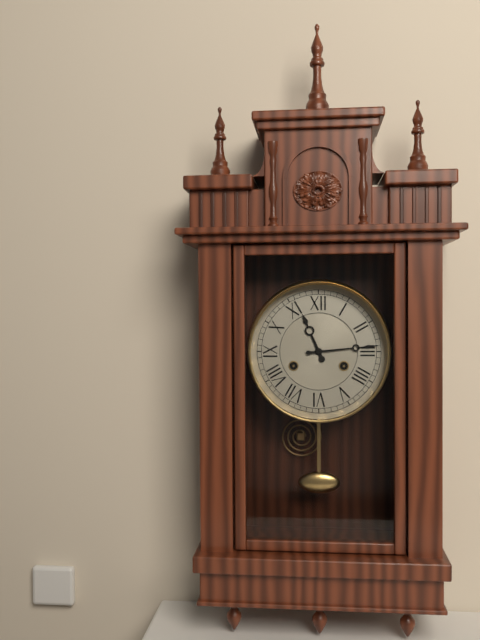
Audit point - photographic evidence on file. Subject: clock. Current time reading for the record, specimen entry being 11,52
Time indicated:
11,14
